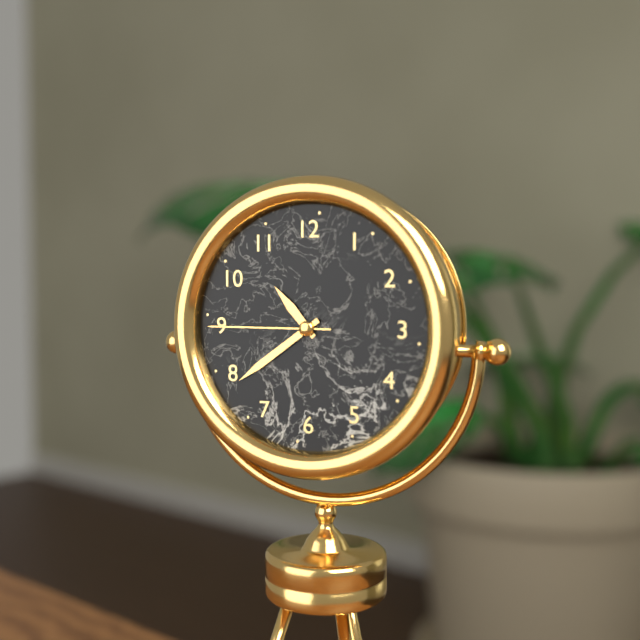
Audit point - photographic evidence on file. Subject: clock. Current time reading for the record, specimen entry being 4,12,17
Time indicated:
10,39,45
